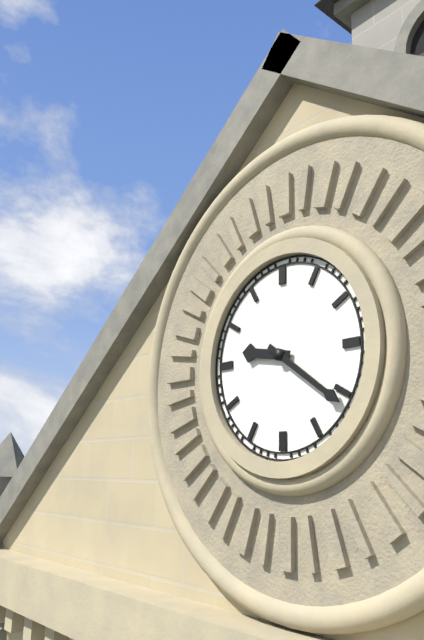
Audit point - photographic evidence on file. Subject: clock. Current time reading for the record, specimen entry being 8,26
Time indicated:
9,21
